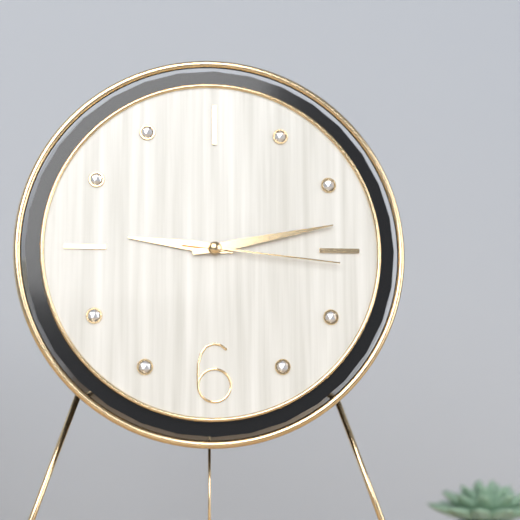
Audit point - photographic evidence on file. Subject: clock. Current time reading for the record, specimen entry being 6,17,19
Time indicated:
9,13,16
